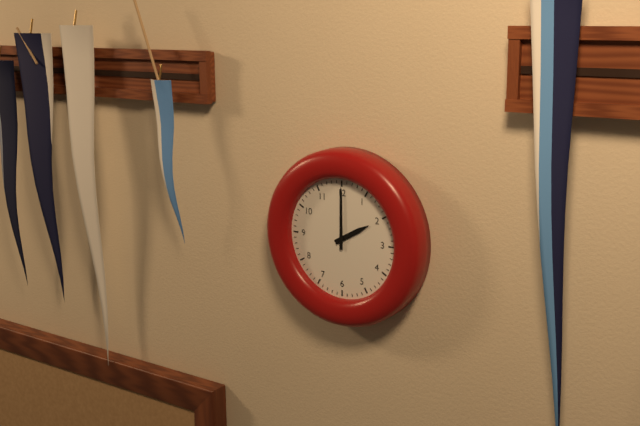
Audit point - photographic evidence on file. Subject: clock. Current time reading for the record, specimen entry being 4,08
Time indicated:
2,00
